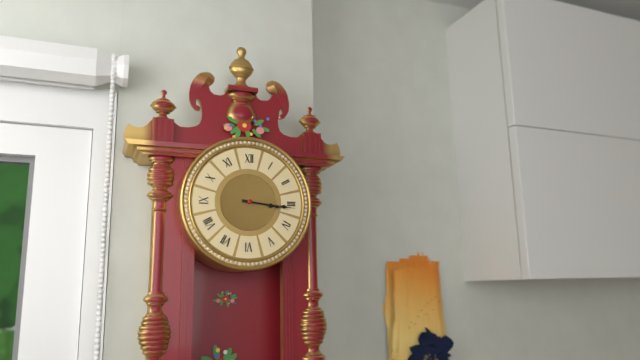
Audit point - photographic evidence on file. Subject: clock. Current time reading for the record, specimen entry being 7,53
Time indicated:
3,16
